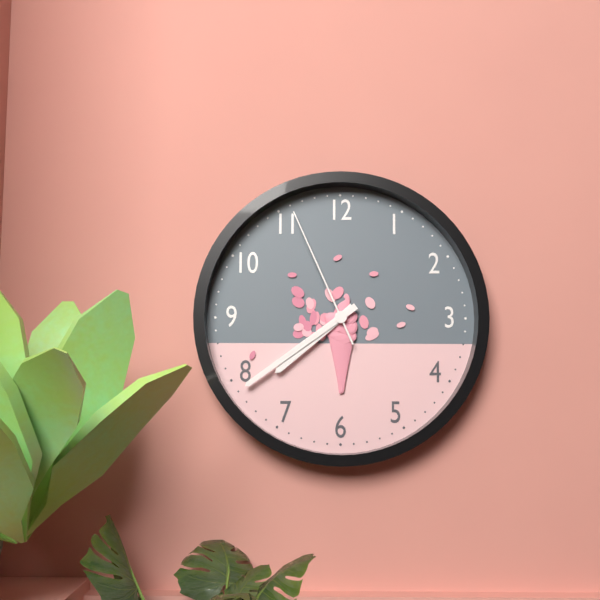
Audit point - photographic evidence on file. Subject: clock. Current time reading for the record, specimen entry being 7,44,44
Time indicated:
7,39,56
